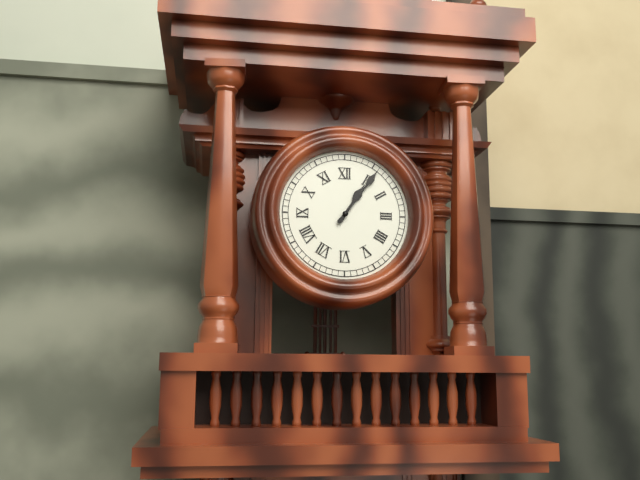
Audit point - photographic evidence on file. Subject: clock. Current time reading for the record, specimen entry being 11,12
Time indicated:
1,06
